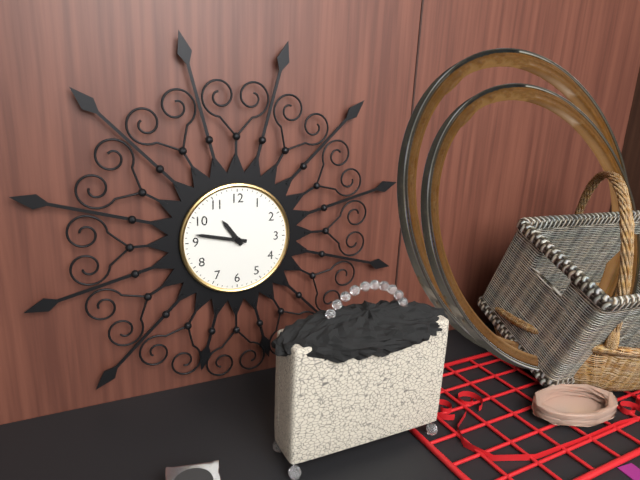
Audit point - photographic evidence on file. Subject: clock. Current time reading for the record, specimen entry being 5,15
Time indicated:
10,47
